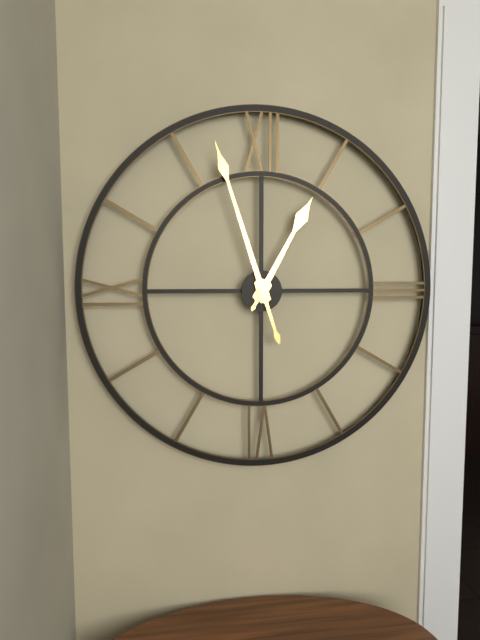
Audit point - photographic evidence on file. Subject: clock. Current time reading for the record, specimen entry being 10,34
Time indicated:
12,57
